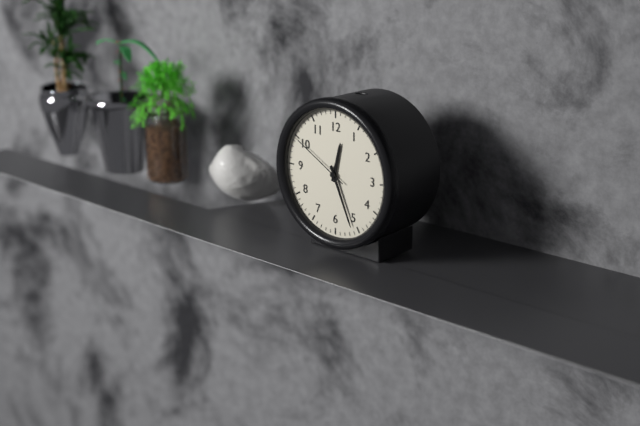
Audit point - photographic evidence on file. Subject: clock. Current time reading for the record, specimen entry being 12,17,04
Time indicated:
12,26,50
